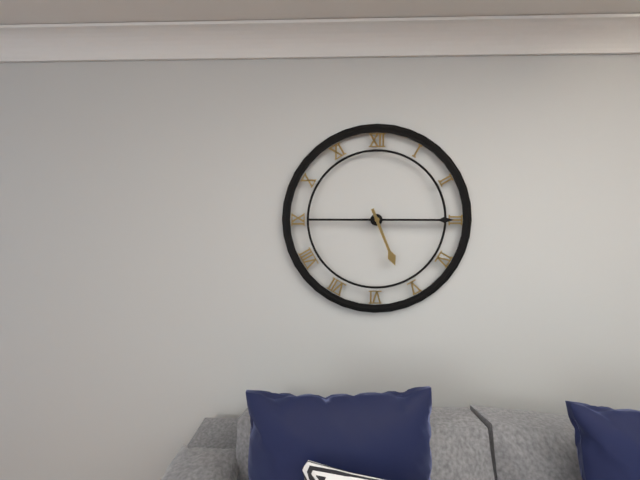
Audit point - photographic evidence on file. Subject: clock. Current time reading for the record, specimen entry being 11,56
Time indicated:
5,15
